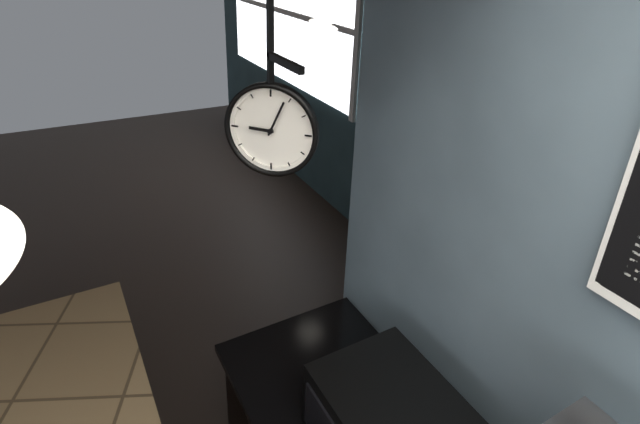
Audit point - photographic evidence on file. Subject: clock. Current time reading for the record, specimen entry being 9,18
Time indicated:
9,04
